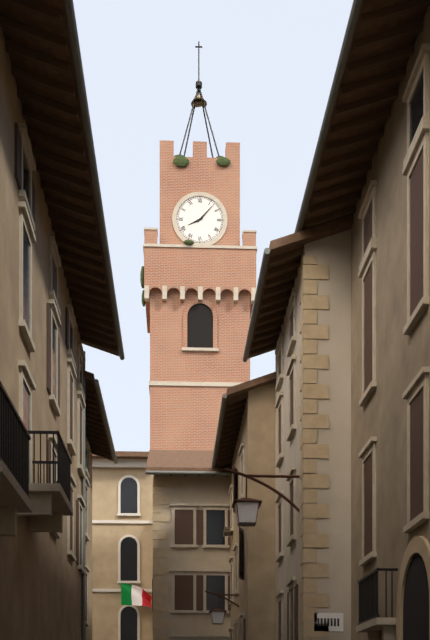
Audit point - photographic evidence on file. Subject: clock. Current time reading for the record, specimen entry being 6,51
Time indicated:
8,07
